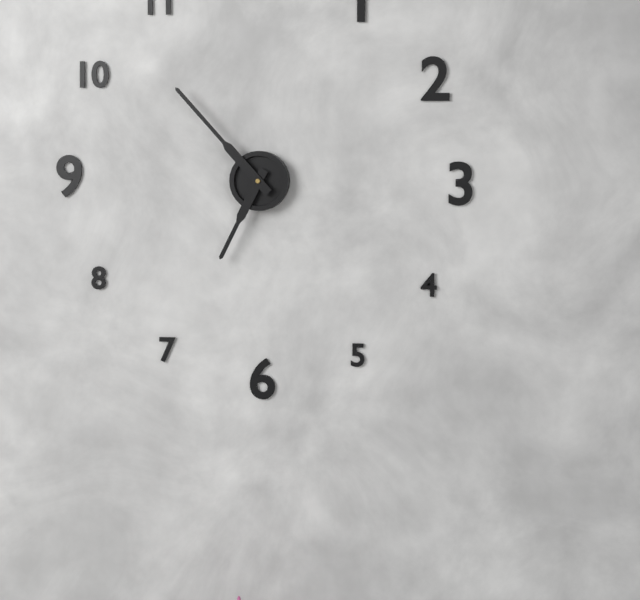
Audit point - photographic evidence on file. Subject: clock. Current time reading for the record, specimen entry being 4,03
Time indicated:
6,53
